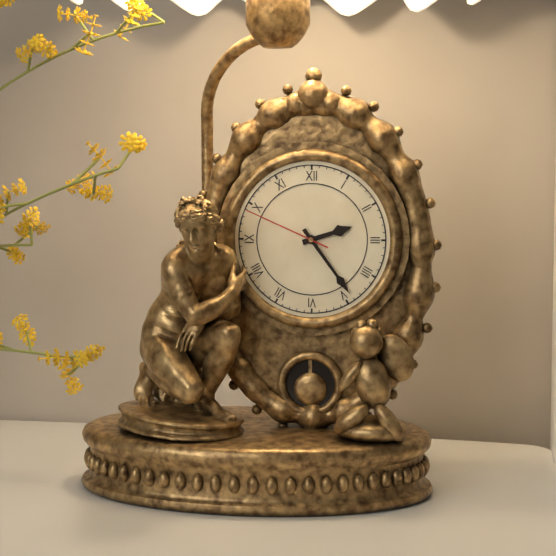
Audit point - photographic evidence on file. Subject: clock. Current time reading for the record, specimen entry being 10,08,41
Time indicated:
2,24,49
